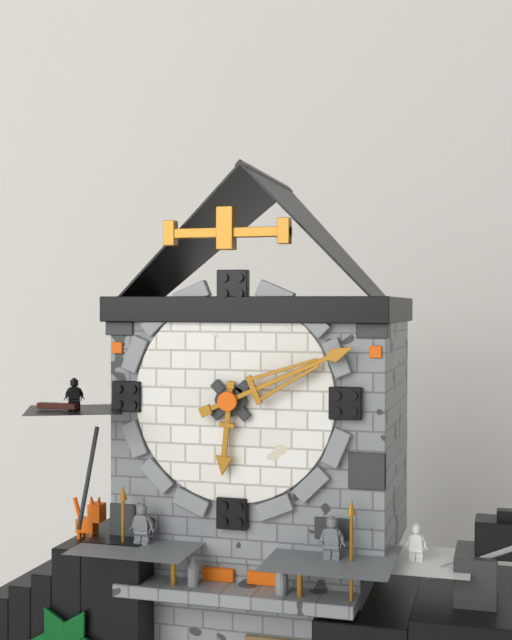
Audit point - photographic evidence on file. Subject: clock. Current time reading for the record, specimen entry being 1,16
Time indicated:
6,11
